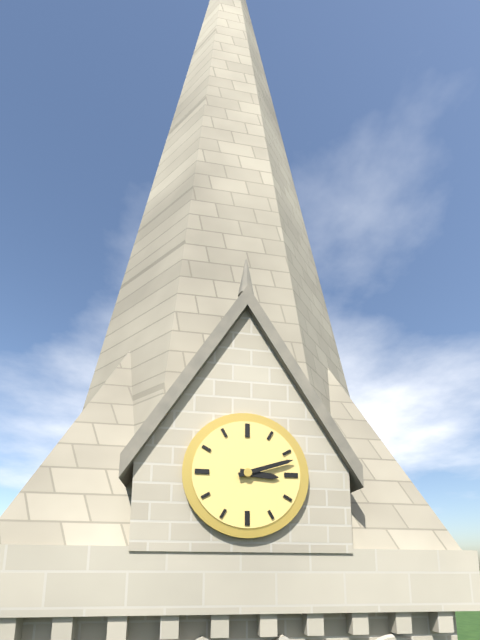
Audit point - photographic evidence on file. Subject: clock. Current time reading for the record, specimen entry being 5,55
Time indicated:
3,12
